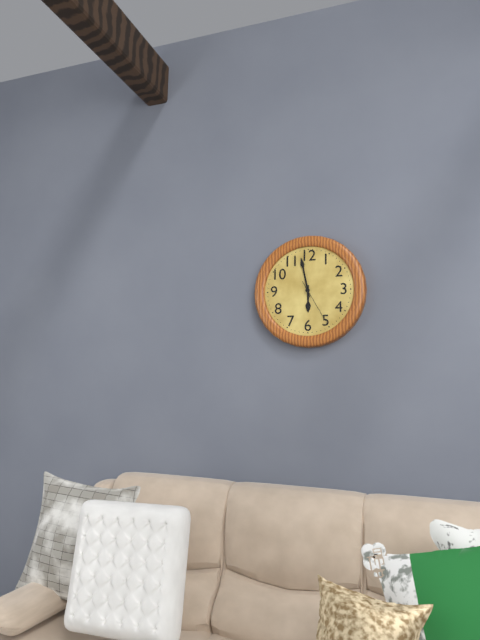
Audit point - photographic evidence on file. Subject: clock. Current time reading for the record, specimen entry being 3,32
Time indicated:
5,58
